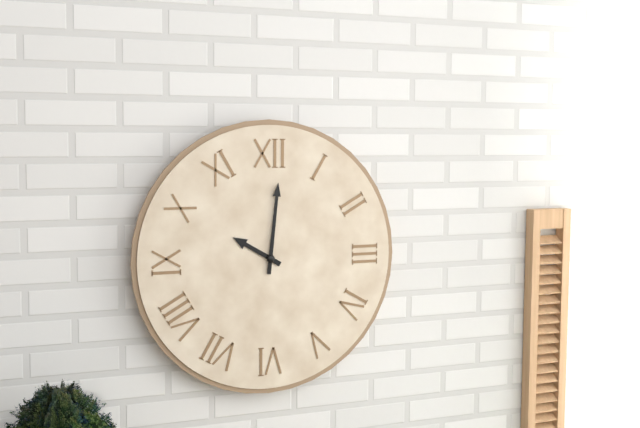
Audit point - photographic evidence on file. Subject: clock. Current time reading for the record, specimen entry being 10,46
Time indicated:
10,01
